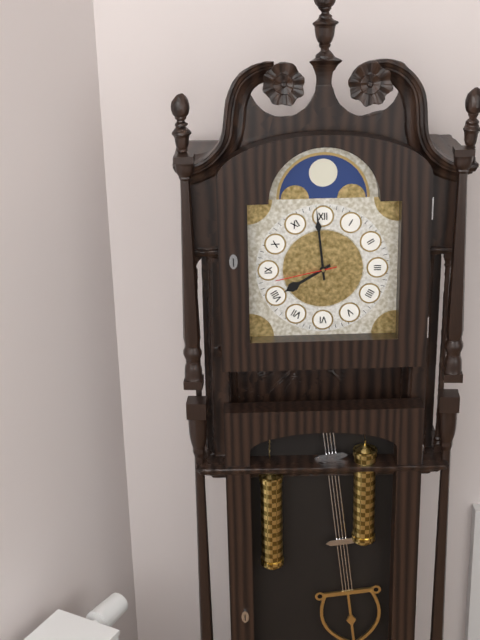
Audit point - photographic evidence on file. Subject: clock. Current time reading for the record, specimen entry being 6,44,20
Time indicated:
7,59,43
